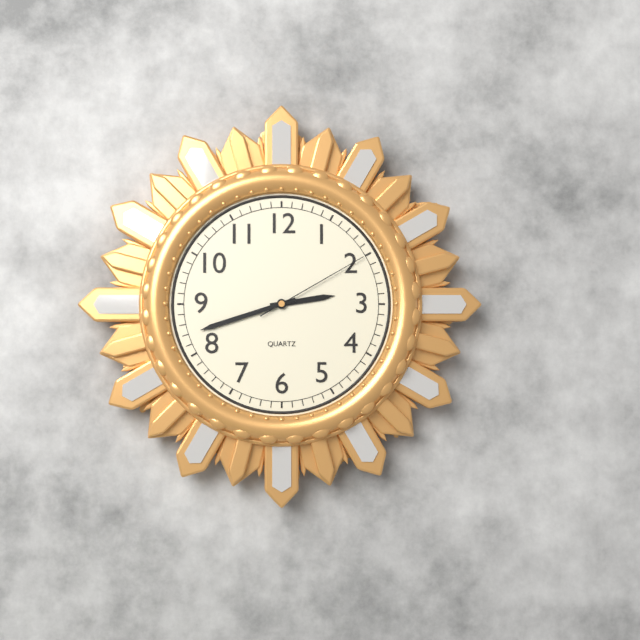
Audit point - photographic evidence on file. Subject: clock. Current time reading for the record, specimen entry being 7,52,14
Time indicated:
2,42,10
